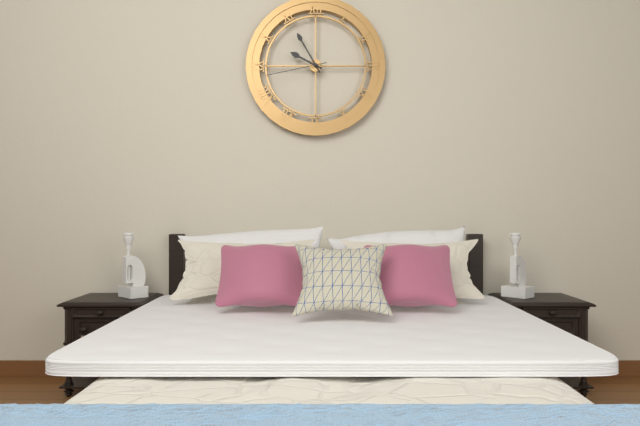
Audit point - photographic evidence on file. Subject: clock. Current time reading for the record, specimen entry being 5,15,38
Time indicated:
9,55,43
